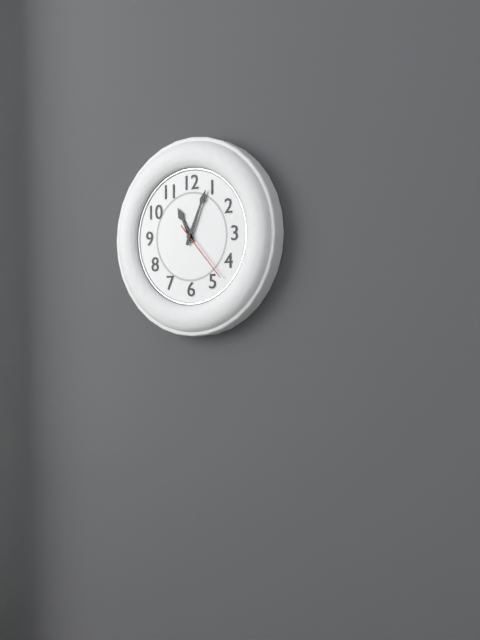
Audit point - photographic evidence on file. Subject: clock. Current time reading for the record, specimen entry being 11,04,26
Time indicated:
11,04,23
